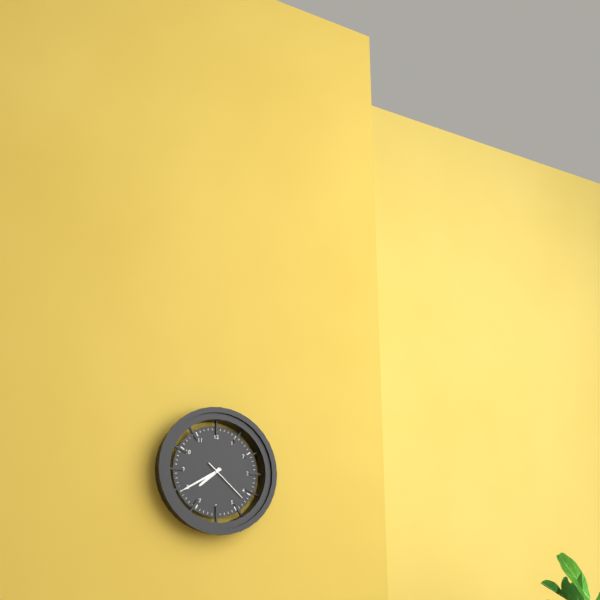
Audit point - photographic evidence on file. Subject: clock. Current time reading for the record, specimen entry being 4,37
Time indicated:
7,40
